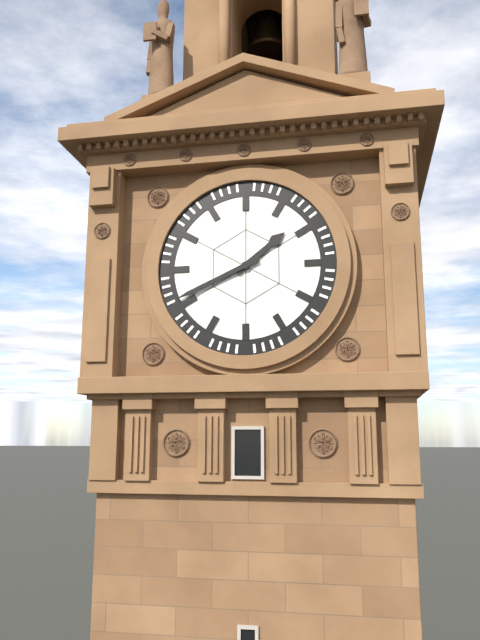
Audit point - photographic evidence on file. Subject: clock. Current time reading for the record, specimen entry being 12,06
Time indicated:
1,41
